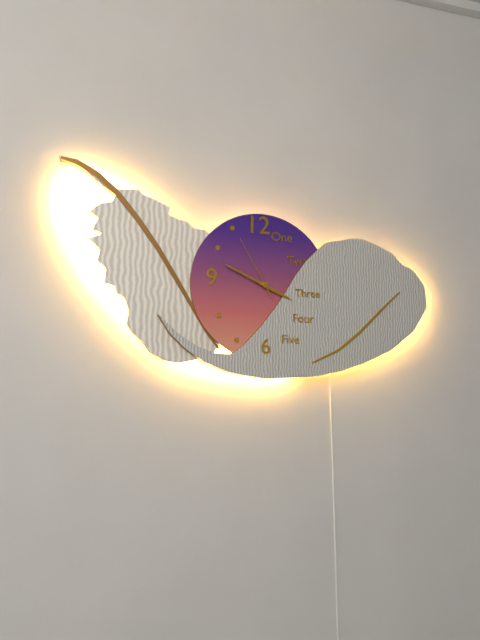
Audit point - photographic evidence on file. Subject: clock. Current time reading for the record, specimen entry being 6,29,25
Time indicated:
3,49,55
